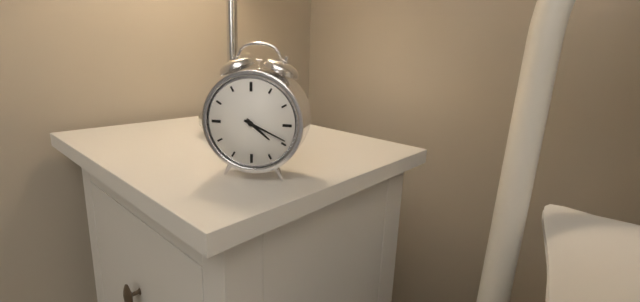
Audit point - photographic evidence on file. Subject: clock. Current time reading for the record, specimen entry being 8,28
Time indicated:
4,19
